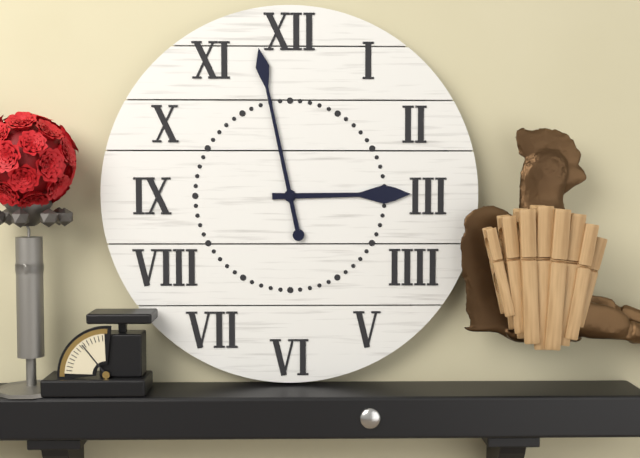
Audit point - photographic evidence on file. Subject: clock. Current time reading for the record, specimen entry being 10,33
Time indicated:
2,58
